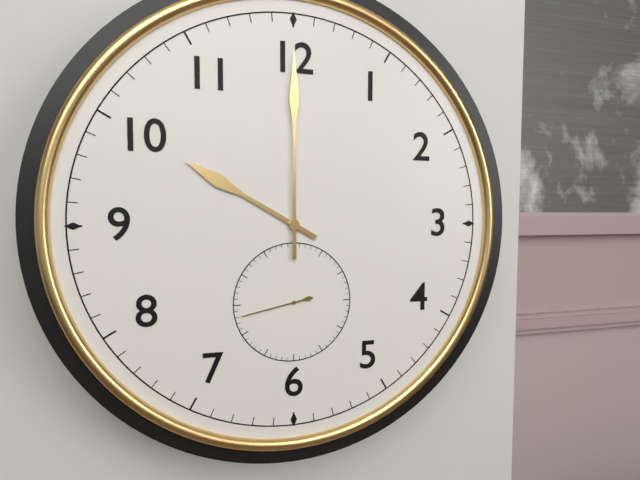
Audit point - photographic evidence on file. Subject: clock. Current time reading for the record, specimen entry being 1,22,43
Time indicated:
10,00,43
